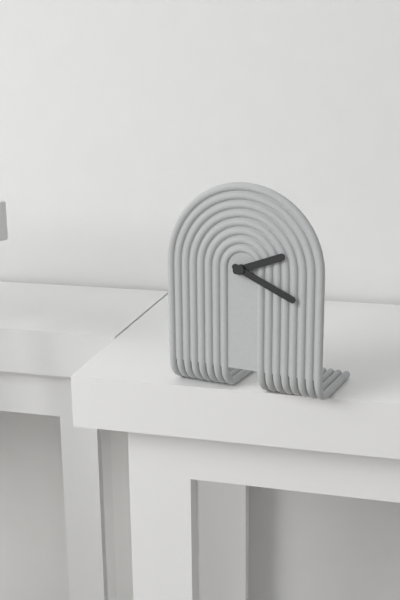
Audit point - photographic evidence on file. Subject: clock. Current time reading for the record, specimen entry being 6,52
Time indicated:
2,19
